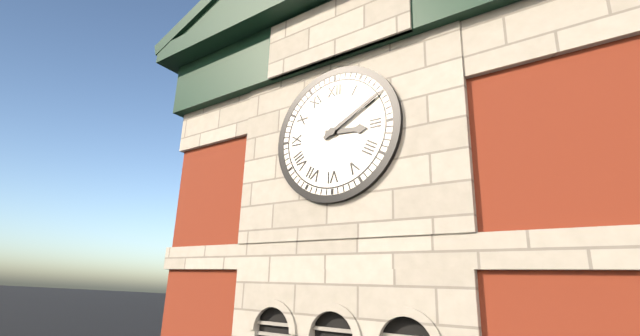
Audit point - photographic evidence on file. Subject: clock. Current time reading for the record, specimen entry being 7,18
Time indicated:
3,10
